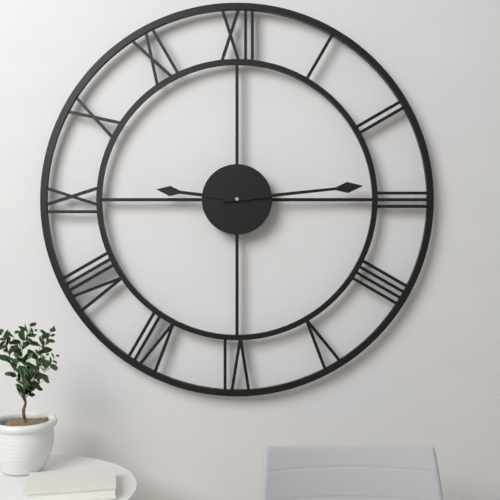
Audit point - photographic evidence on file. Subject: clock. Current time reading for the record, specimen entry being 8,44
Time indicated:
9,14
